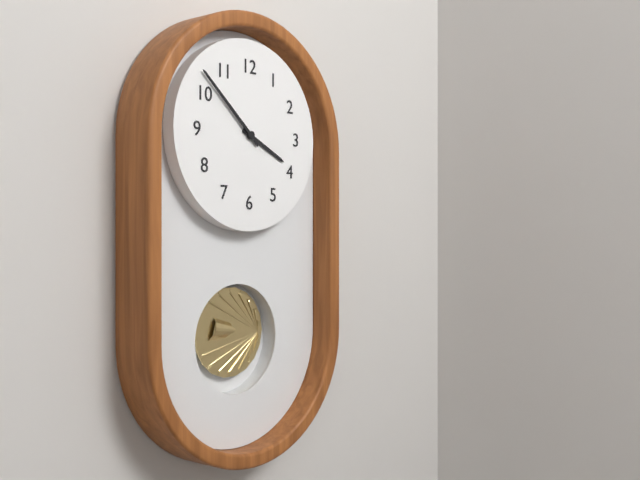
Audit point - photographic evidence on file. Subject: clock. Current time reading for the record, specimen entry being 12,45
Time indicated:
3,52
